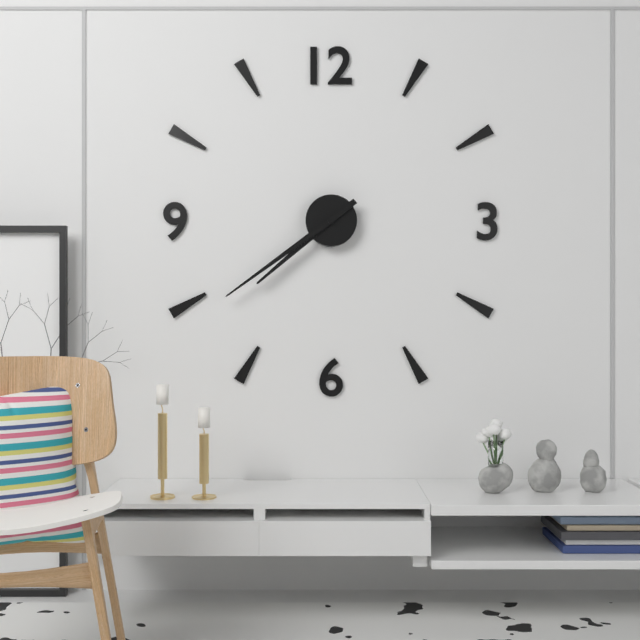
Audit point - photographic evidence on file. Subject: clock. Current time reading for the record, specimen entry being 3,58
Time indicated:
7,39
